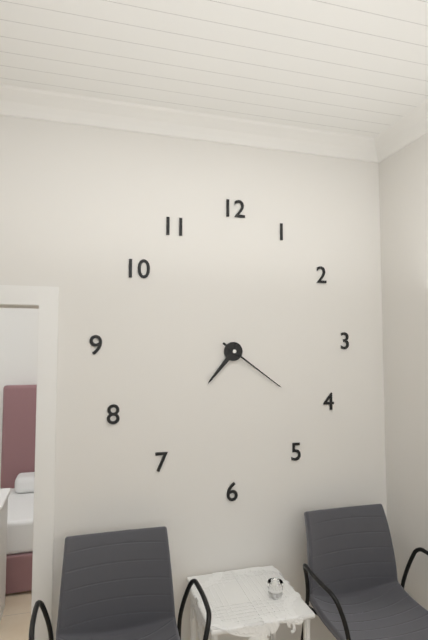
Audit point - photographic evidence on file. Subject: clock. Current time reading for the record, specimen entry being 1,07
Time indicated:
7,21
